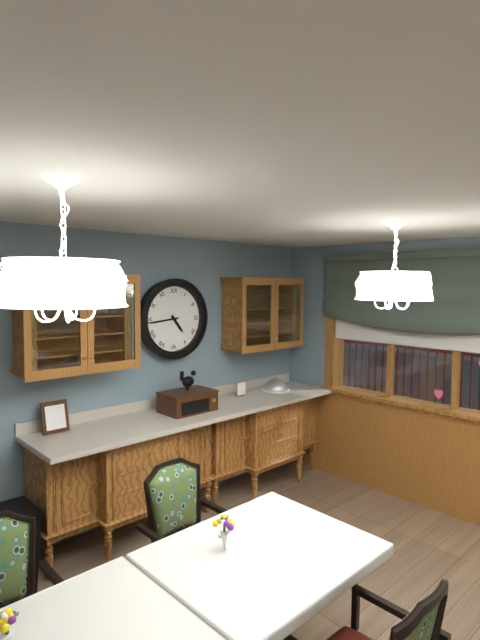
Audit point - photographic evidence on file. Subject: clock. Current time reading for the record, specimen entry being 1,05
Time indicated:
4,44
